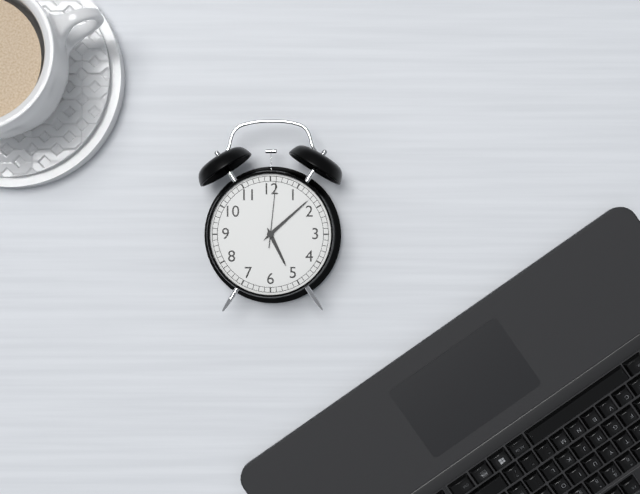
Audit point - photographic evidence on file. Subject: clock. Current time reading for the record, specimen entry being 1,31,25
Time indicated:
5,08,01
